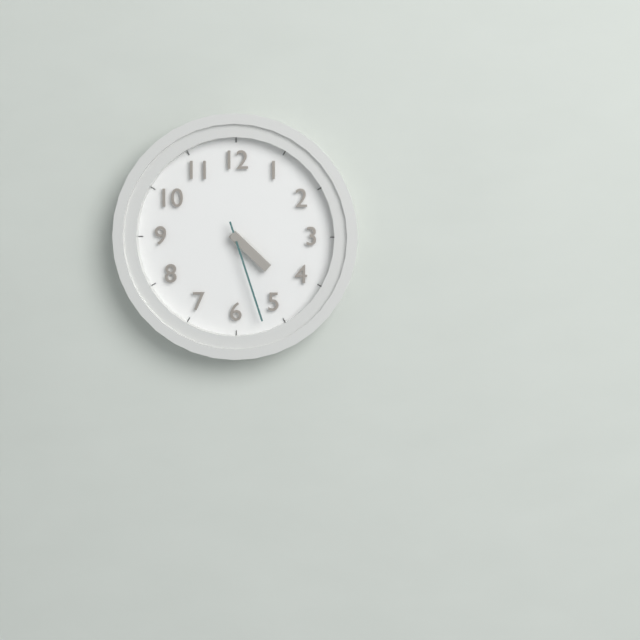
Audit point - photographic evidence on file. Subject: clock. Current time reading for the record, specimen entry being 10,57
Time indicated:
4,27
